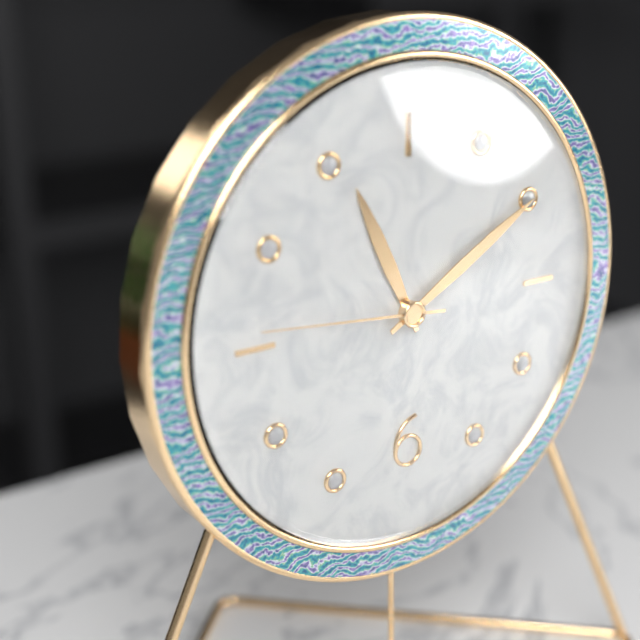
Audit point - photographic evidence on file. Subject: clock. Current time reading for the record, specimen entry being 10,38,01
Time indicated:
11,10,46
